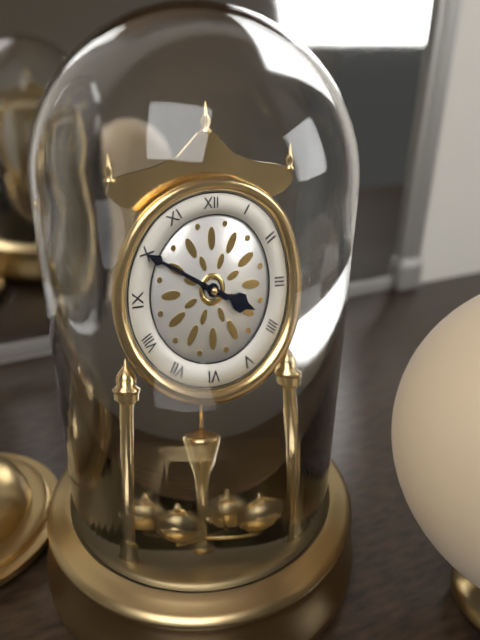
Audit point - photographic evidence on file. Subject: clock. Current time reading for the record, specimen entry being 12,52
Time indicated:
3,50
